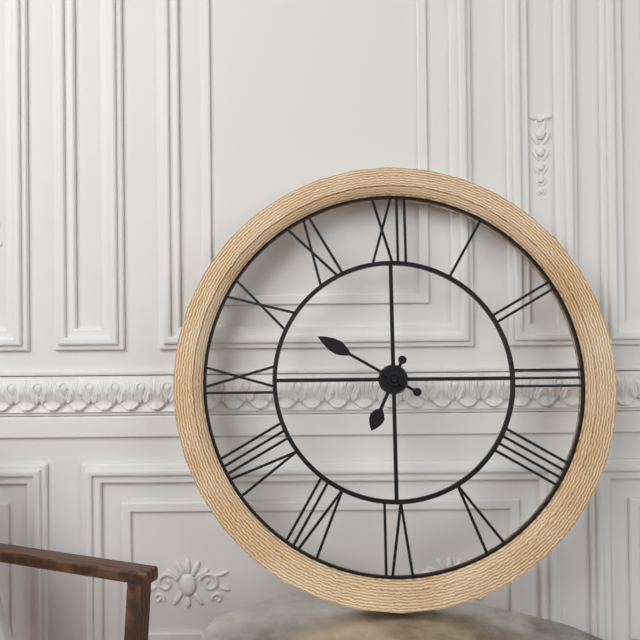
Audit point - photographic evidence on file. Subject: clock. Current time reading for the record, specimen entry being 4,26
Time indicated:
6,50
